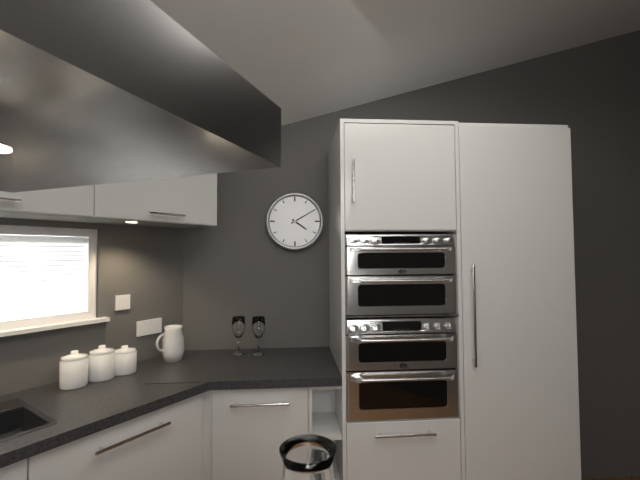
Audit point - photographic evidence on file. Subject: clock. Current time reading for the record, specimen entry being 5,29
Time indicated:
4,10
